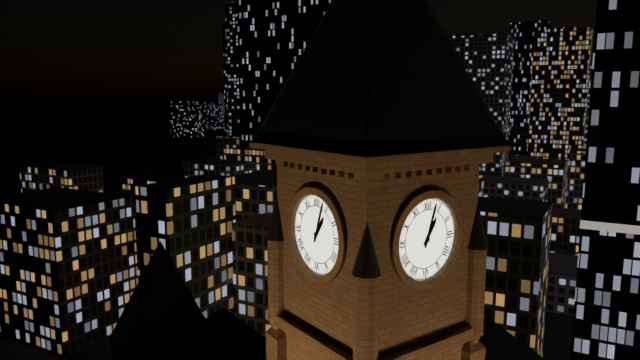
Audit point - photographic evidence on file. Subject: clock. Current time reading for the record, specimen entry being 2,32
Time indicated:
1,03
